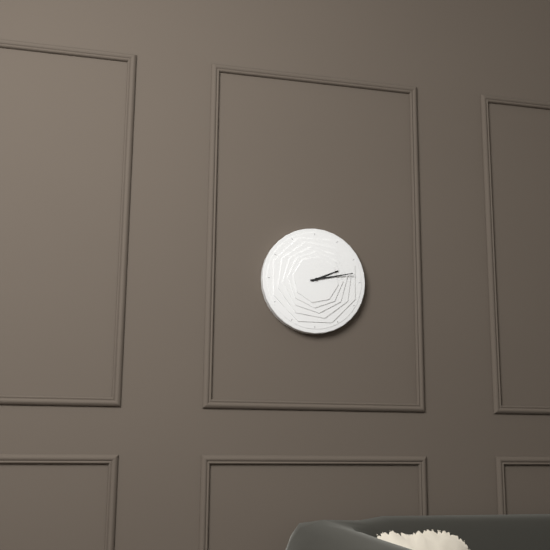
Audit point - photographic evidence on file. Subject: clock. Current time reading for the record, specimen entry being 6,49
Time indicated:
2,13
